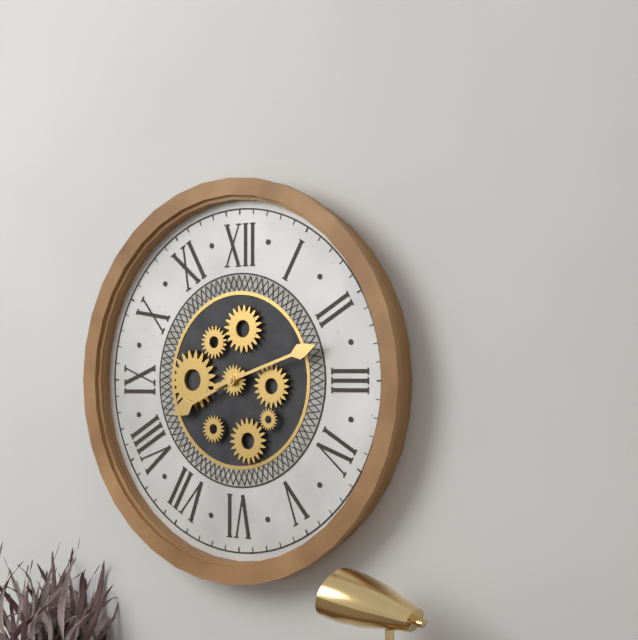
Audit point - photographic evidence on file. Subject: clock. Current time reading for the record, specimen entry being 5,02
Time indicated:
8,12
